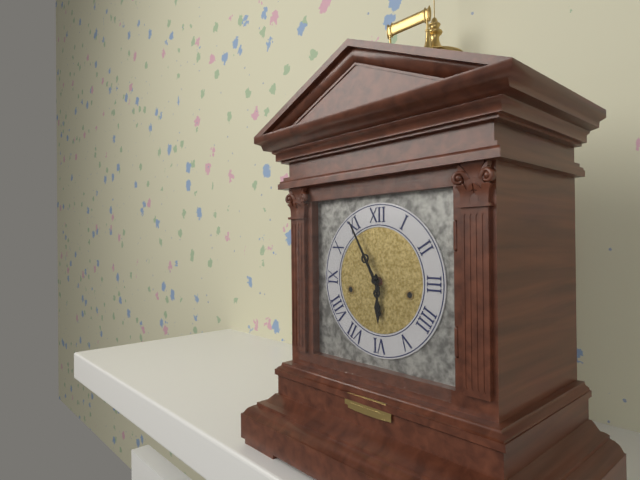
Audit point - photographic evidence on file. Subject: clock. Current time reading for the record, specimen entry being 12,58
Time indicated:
5,55
